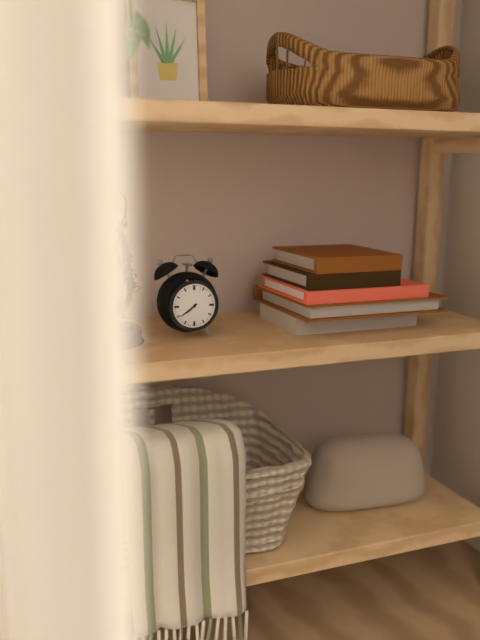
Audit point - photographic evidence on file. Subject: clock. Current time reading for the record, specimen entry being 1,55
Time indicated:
7,39
